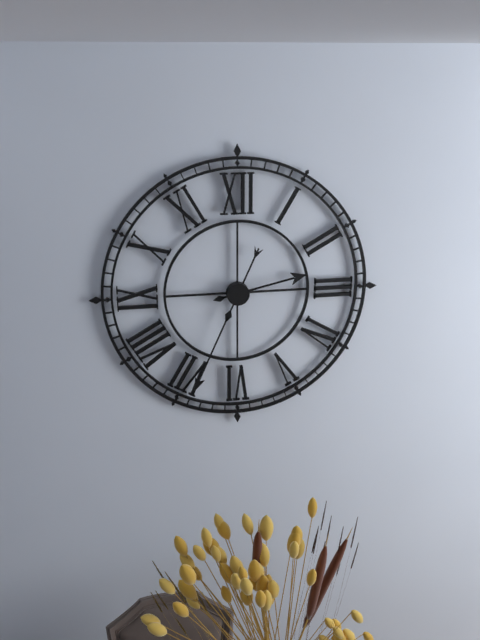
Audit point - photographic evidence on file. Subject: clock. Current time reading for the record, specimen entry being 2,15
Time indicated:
2,34
